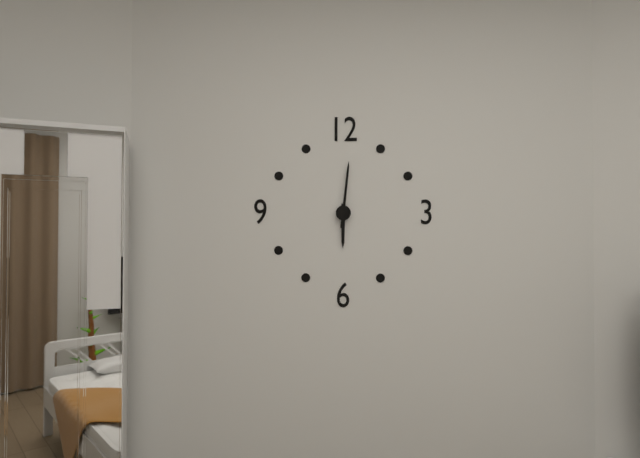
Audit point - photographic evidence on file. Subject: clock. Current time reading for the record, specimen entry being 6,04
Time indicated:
6,01
